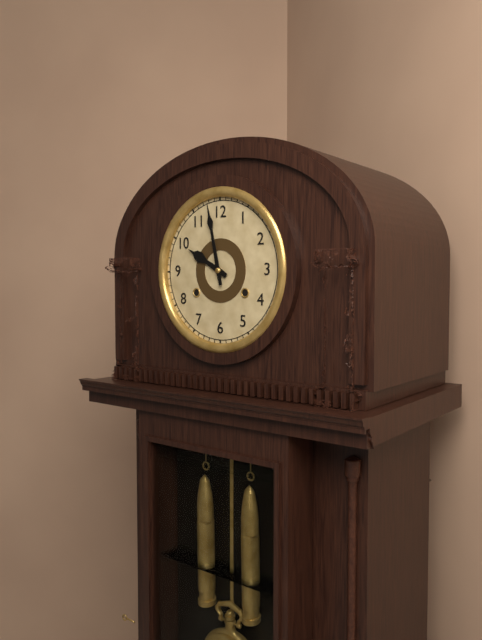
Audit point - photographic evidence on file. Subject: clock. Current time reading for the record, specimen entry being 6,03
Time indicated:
9,58
